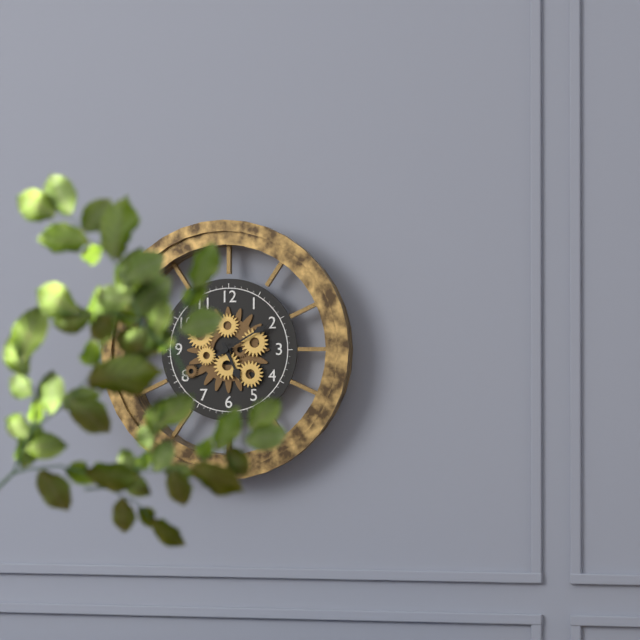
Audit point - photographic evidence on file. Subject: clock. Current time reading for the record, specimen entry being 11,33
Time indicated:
5,10
